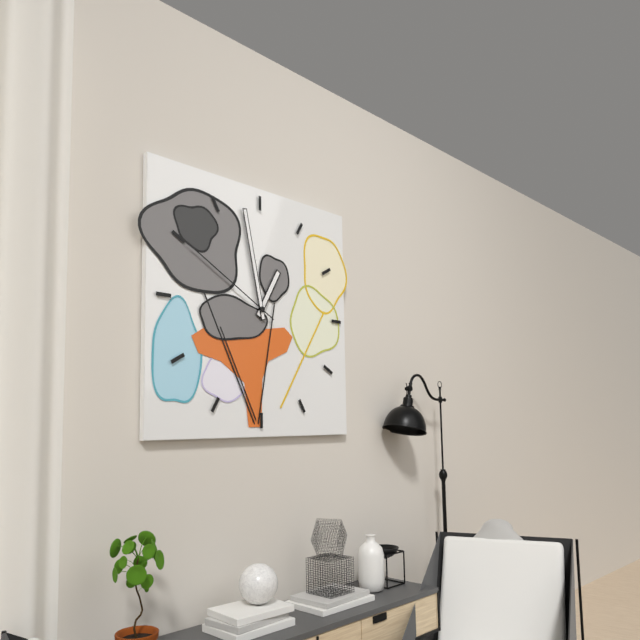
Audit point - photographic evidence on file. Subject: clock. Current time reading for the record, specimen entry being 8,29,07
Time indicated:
12,58,50
